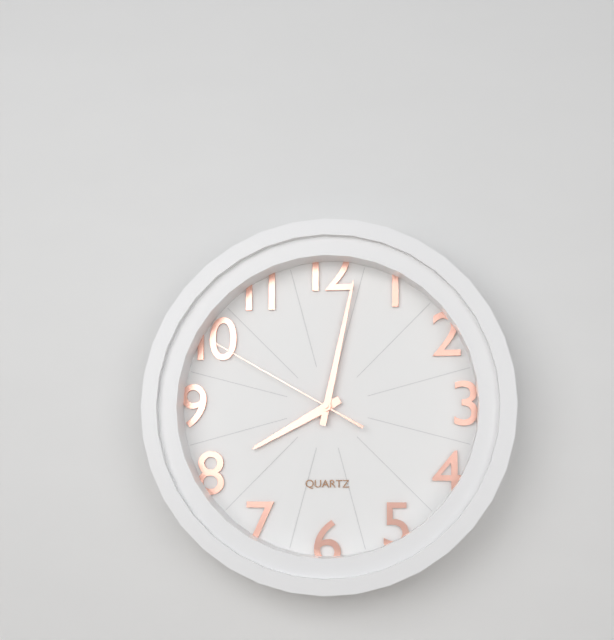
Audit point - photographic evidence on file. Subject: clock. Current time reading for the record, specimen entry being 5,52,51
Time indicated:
8,02,50
